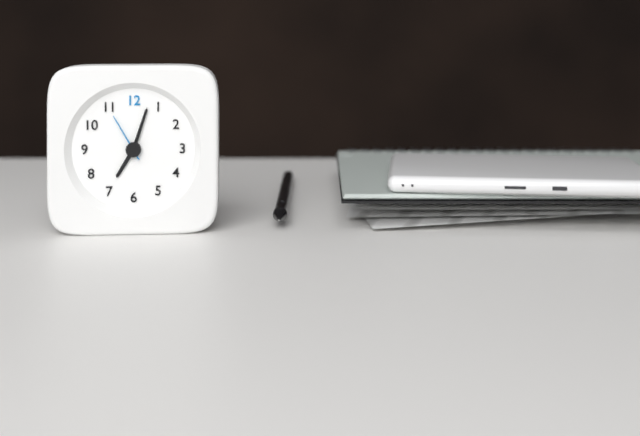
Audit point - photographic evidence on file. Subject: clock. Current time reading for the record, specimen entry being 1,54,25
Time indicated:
7,03,55
